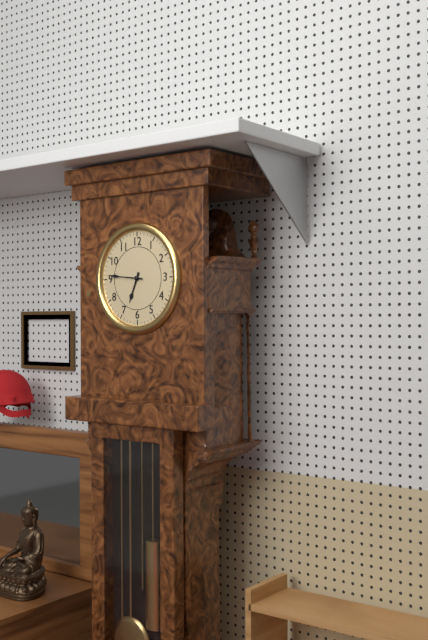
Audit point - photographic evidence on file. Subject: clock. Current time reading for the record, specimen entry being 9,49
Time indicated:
6,46
